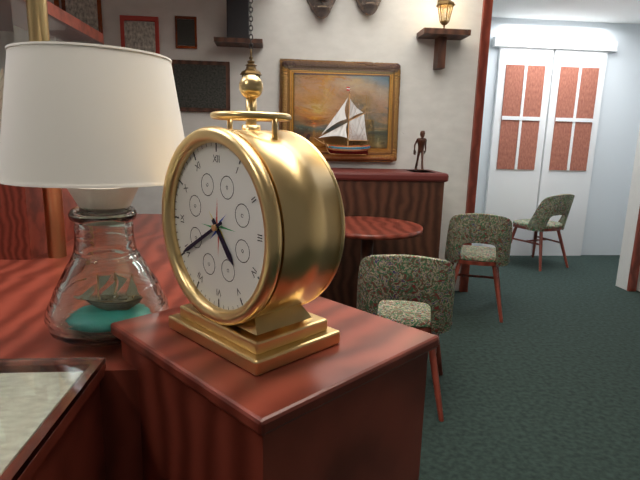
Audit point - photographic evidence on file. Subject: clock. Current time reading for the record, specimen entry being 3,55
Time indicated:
4,40
